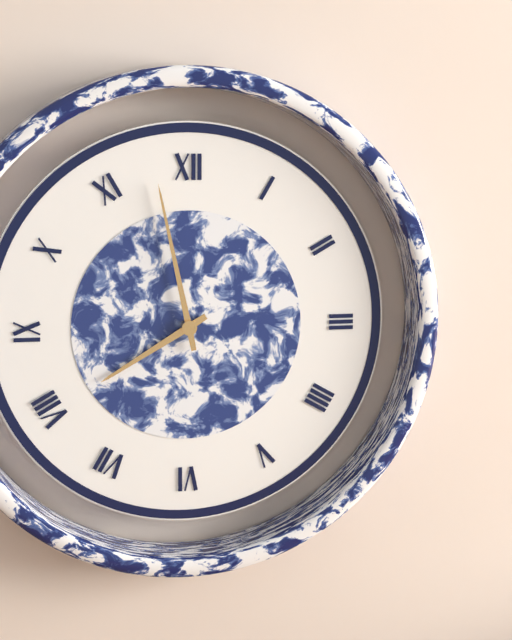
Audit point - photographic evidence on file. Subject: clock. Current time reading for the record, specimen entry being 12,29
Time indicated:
7,58
